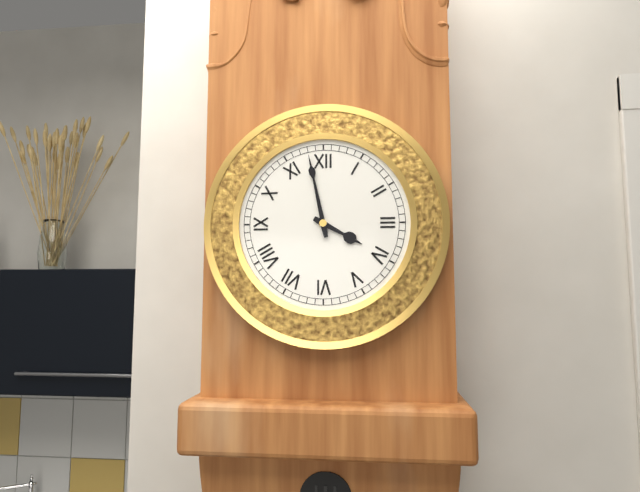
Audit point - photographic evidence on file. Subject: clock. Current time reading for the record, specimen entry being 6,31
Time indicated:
3,58
